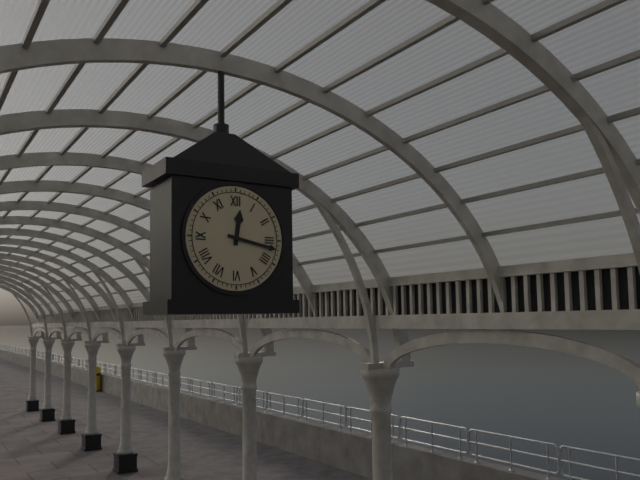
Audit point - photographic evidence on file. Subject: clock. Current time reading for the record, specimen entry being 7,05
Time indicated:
12,17
